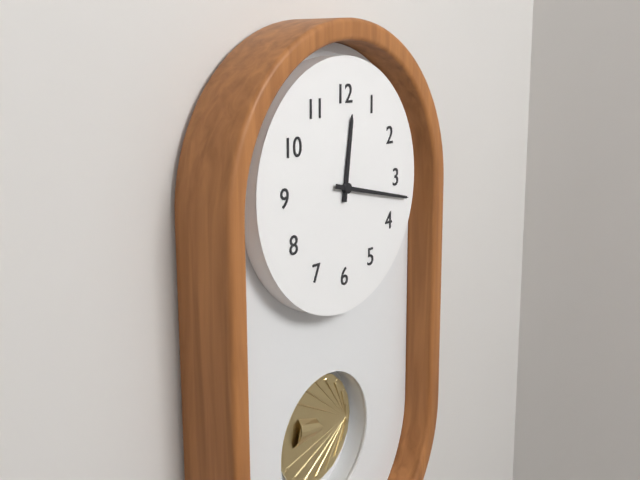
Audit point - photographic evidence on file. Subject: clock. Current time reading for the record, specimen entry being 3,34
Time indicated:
12,17
